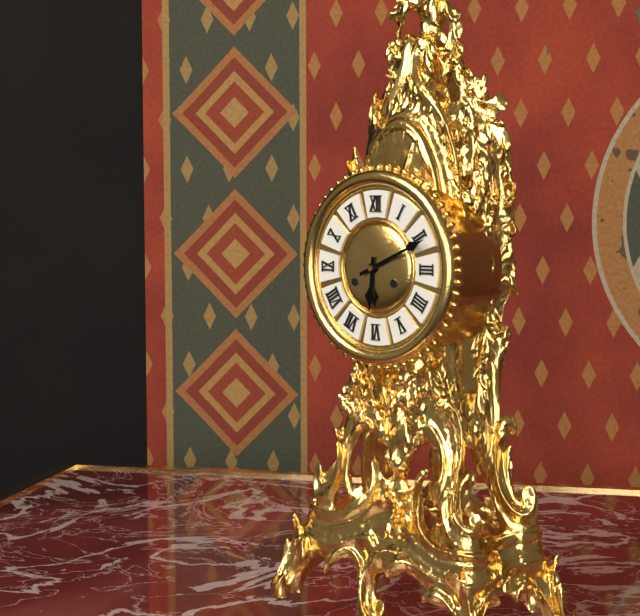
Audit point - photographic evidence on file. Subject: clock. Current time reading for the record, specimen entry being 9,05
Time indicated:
6,11
